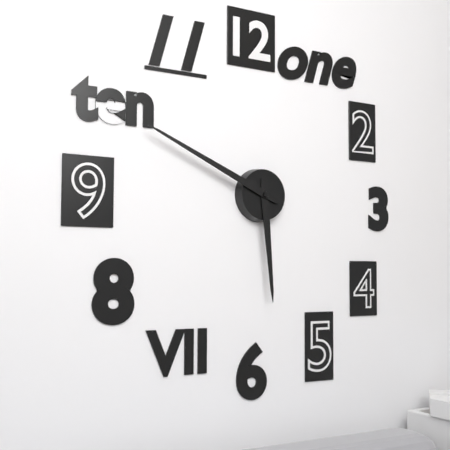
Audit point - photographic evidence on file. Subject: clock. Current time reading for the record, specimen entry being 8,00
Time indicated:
5,49
